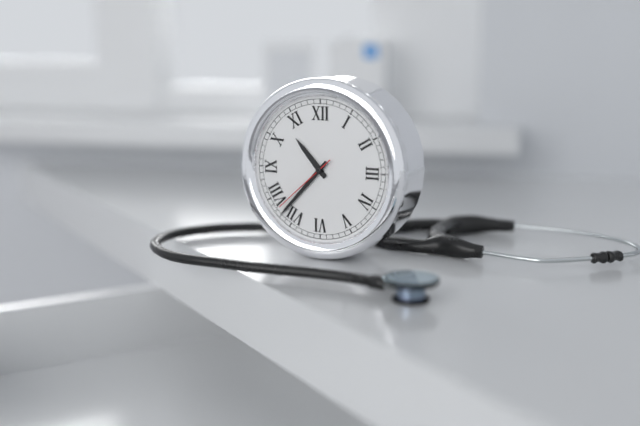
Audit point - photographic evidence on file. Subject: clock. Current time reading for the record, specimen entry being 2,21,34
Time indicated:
10,37,38
